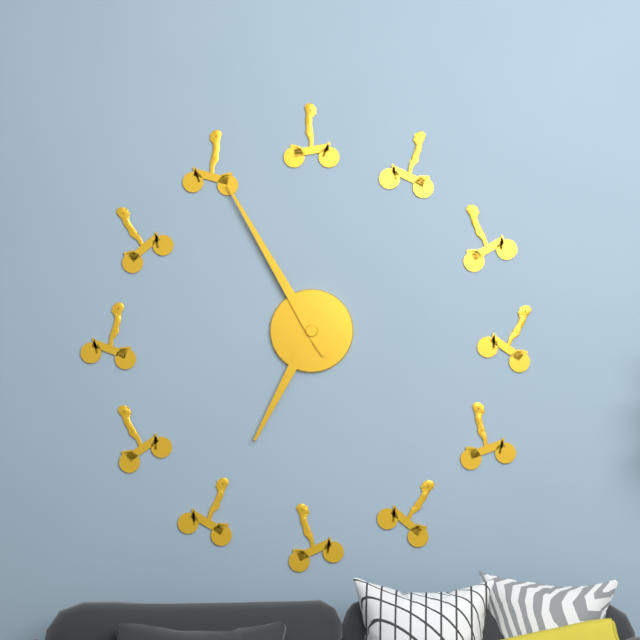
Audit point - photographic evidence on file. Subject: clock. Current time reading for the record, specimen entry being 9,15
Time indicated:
6,55
